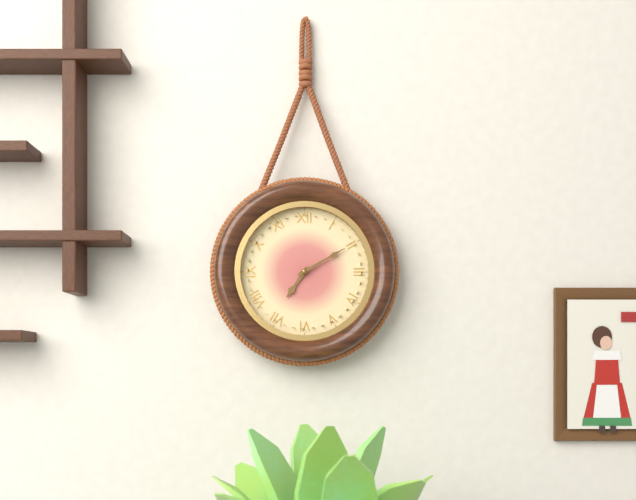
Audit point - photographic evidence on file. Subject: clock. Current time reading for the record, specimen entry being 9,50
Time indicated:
7,10
